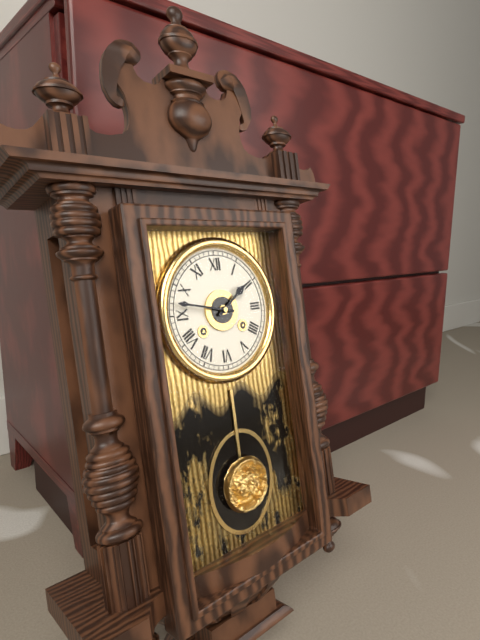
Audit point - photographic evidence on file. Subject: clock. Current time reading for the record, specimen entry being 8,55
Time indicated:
1,47
